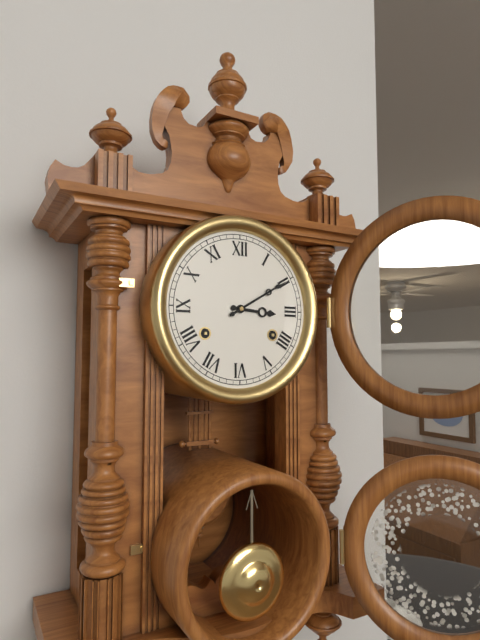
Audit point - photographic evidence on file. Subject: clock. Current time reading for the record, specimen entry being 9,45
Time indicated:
3,10
